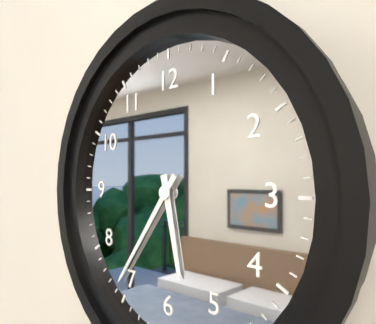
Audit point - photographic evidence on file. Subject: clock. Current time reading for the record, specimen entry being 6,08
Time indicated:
5,36
